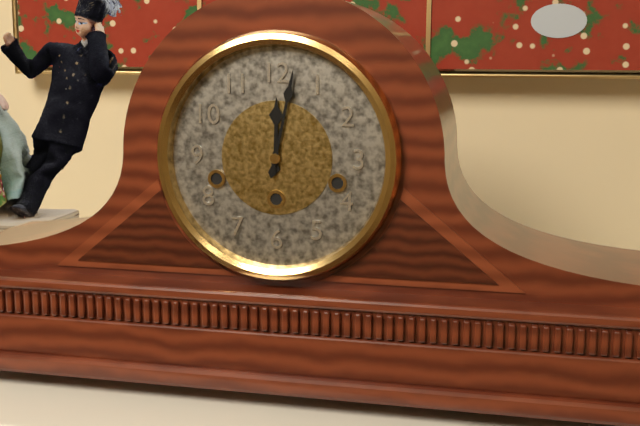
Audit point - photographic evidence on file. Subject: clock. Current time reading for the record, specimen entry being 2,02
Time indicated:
12,02
